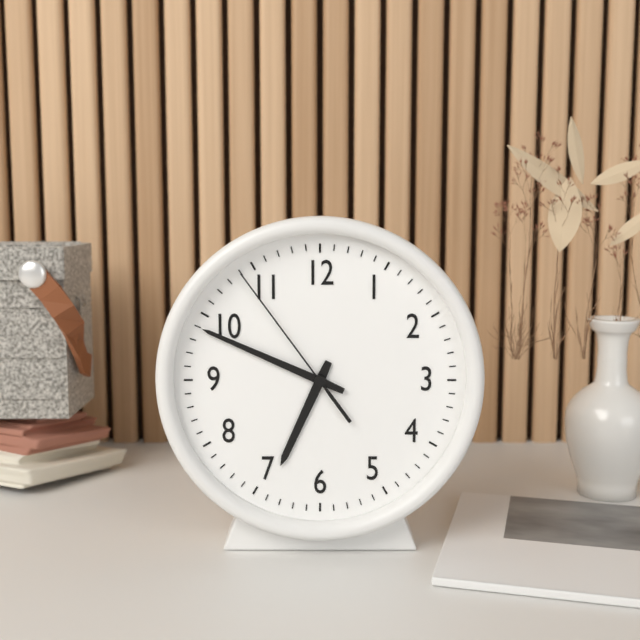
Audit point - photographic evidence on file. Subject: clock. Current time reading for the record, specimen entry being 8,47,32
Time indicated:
6,49,54
